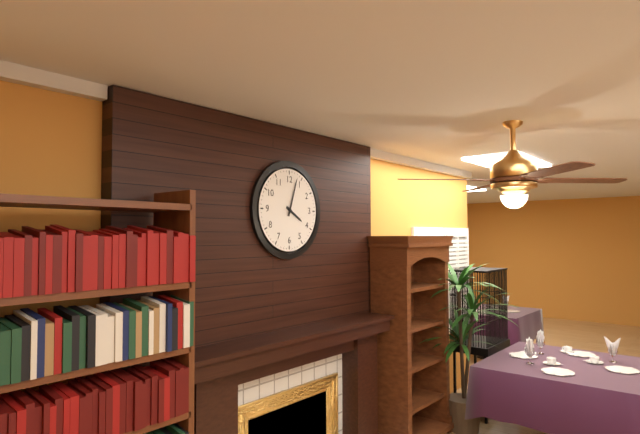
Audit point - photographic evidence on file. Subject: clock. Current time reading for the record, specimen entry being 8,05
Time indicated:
4,03
